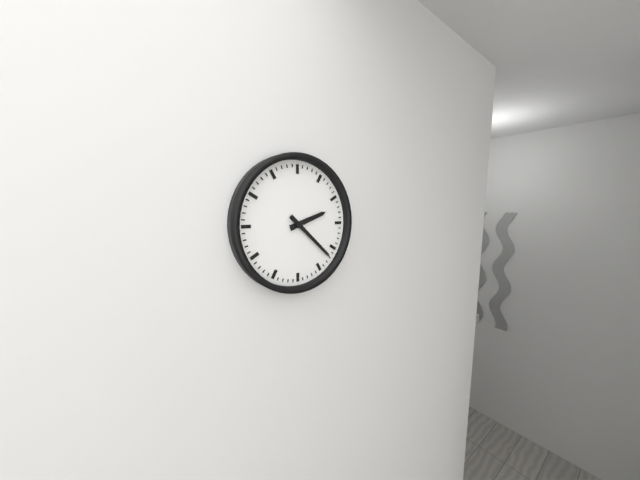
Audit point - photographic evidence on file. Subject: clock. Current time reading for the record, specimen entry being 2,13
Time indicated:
2,22
